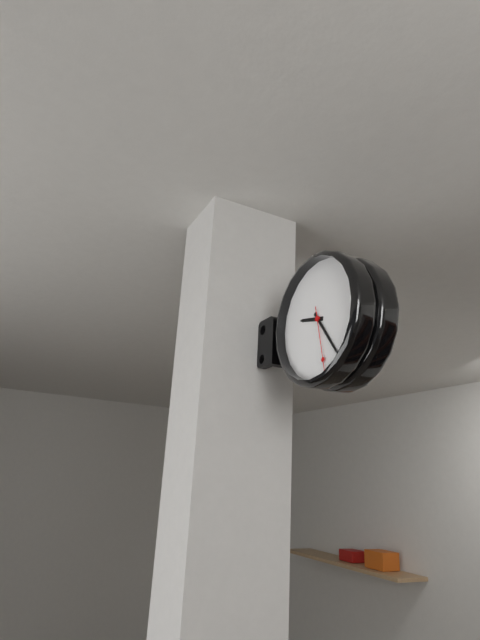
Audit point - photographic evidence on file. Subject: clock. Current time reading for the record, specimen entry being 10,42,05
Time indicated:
9,24,28
